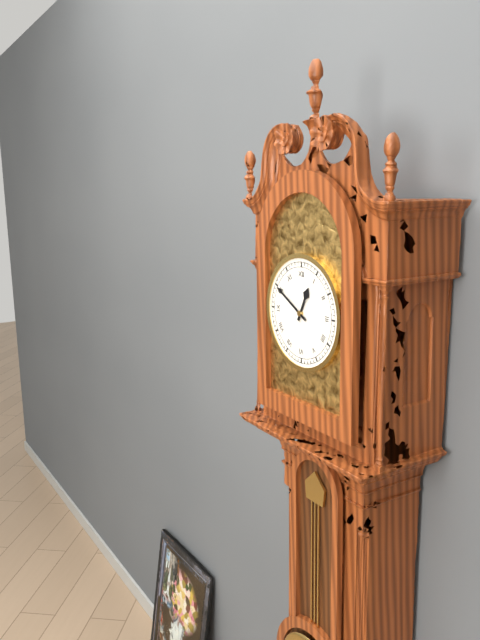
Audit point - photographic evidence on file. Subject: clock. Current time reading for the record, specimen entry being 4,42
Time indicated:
12,50
